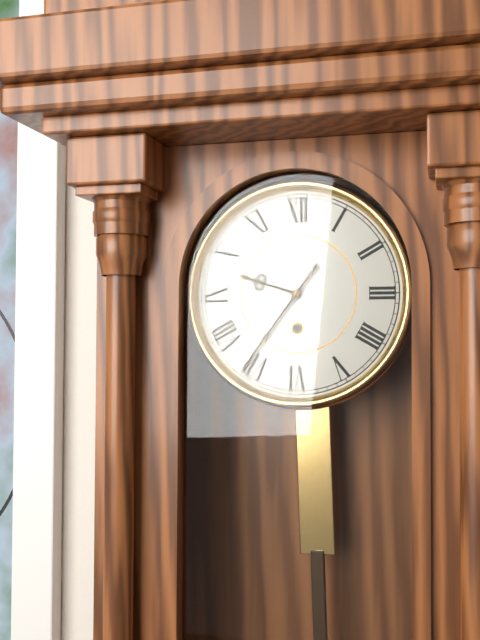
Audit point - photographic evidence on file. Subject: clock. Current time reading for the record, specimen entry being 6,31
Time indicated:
9,36
